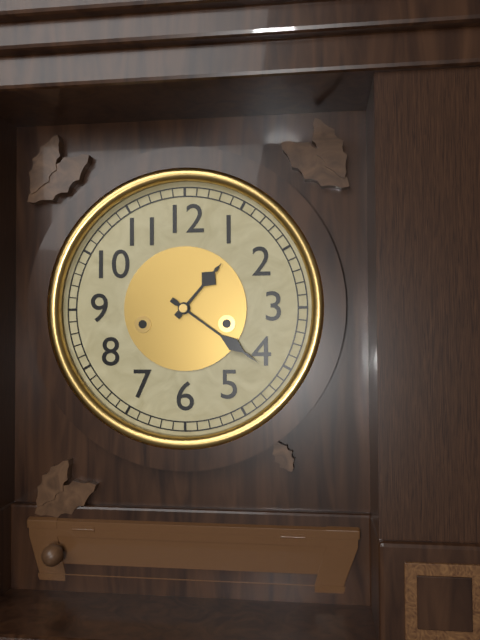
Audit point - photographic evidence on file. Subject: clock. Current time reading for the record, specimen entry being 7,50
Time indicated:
1,21
